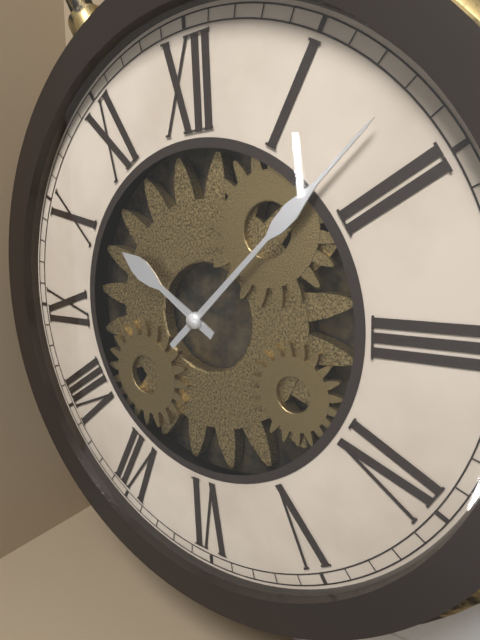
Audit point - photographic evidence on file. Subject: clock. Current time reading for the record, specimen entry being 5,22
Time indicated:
10,08
